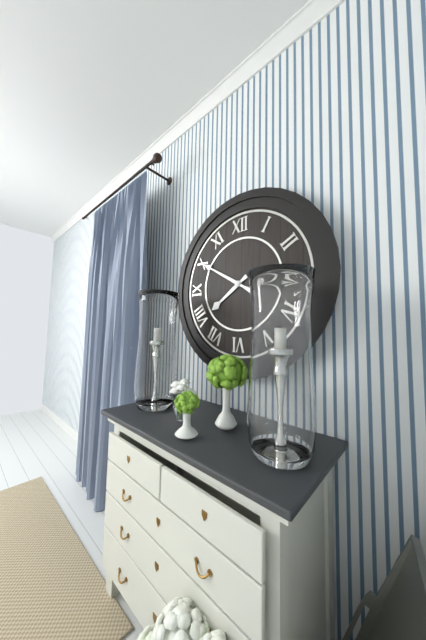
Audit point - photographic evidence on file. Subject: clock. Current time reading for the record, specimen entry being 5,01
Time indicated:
7,50
